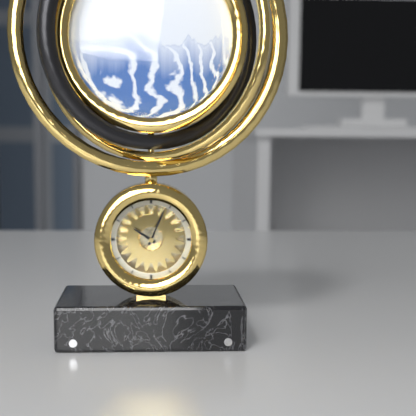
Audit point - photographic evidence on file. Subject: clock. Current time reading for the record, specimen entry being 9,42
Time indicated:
10,04
